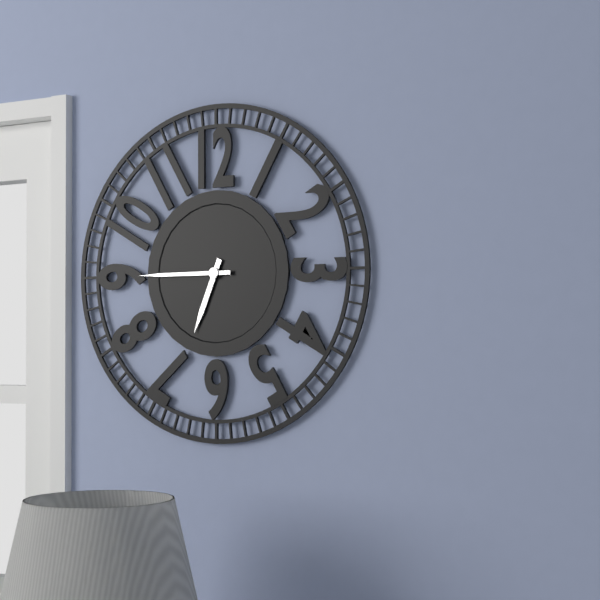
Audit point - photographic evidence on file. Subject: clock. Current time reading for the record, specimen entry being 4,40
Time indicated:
6,45
